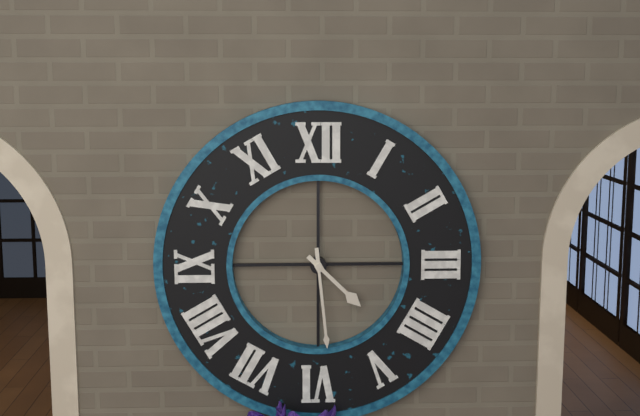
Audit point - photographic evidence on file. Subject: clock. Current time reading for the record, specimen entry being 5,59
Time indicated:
4,29
